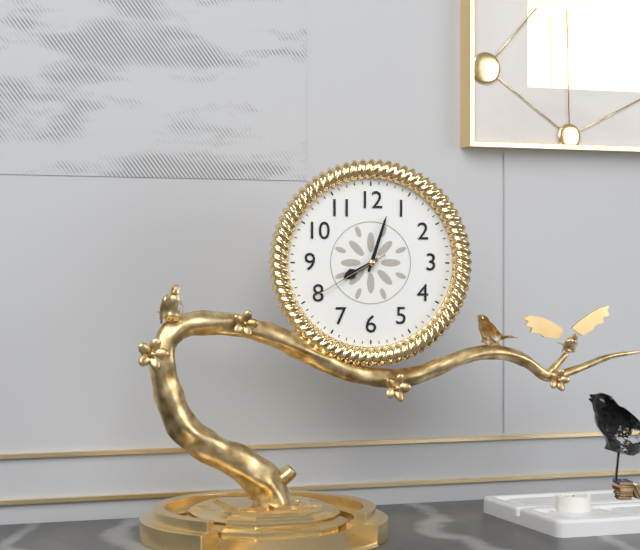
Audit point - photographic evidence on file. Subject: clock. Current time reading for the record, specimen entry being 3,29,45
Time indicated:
8,03,40
